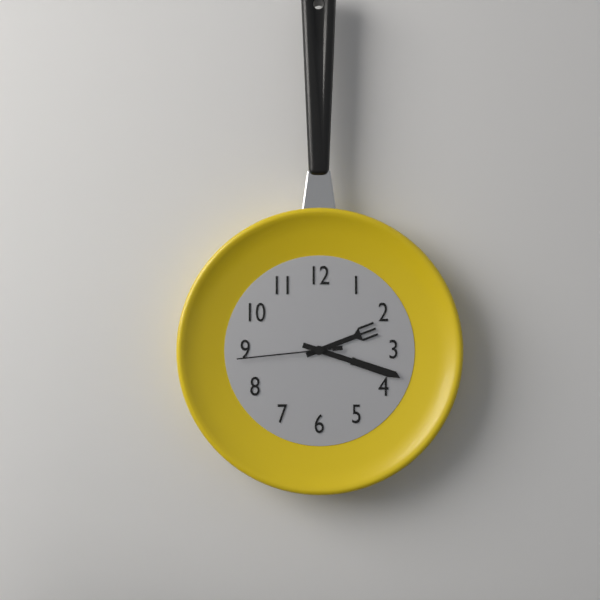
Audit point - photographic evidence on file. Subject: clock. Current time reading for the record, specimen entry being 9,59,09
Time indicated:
2,18,44
